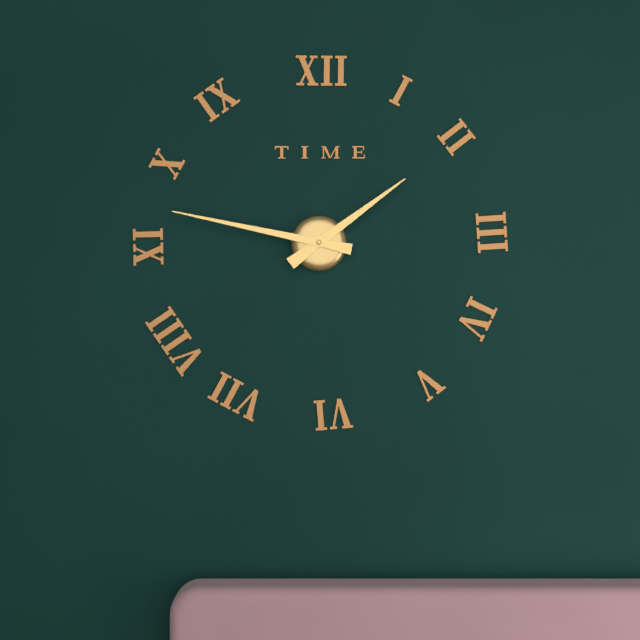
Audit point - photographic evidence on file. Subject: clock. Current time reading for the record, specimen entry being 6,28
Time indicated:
1,47
